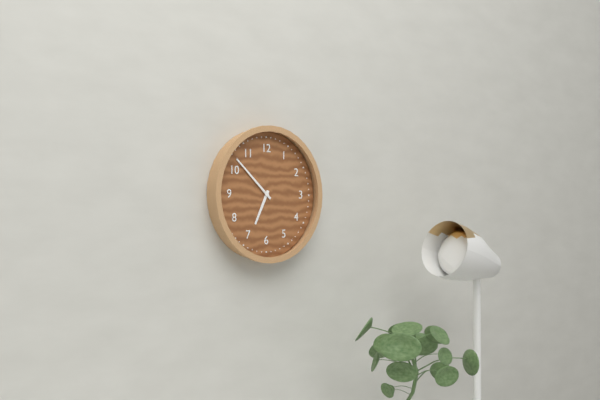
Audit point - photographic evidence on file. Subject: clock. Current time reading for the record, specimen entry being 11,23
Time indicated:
6,52
